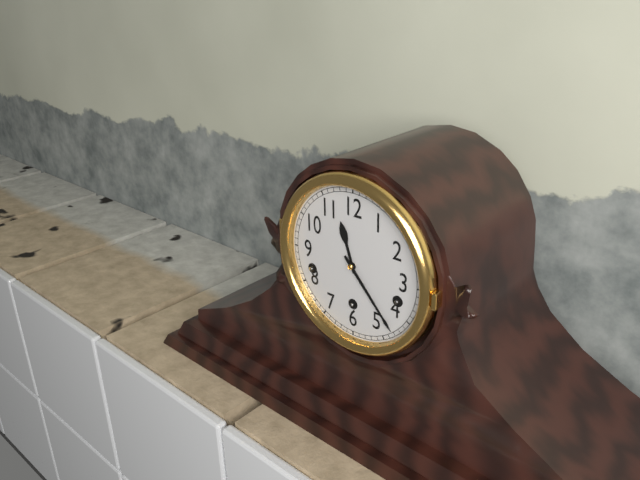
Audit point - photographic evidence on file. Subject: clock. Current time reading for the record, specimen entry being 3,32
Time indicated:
11,23
